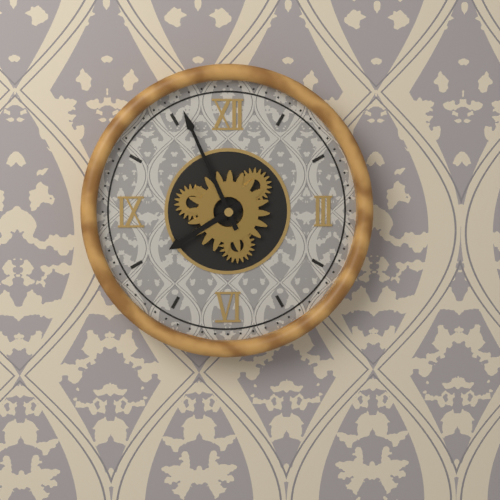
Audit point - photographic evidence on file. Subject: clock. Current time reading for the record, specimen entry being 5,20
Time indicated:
7,56
